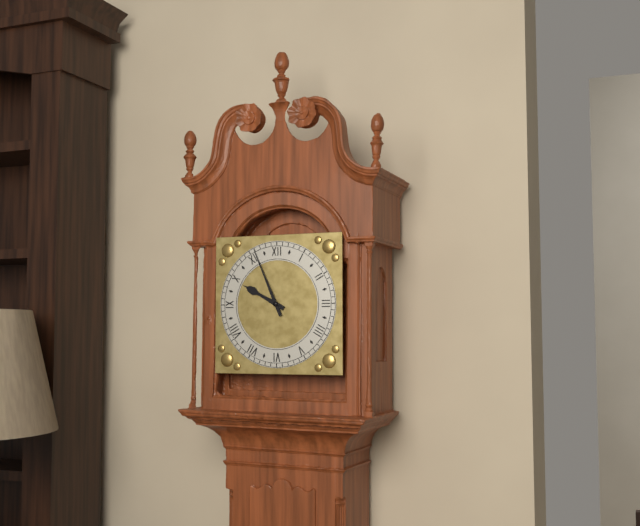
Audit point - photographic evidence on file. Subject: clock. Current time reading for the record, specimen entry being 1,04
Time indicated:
9,56
